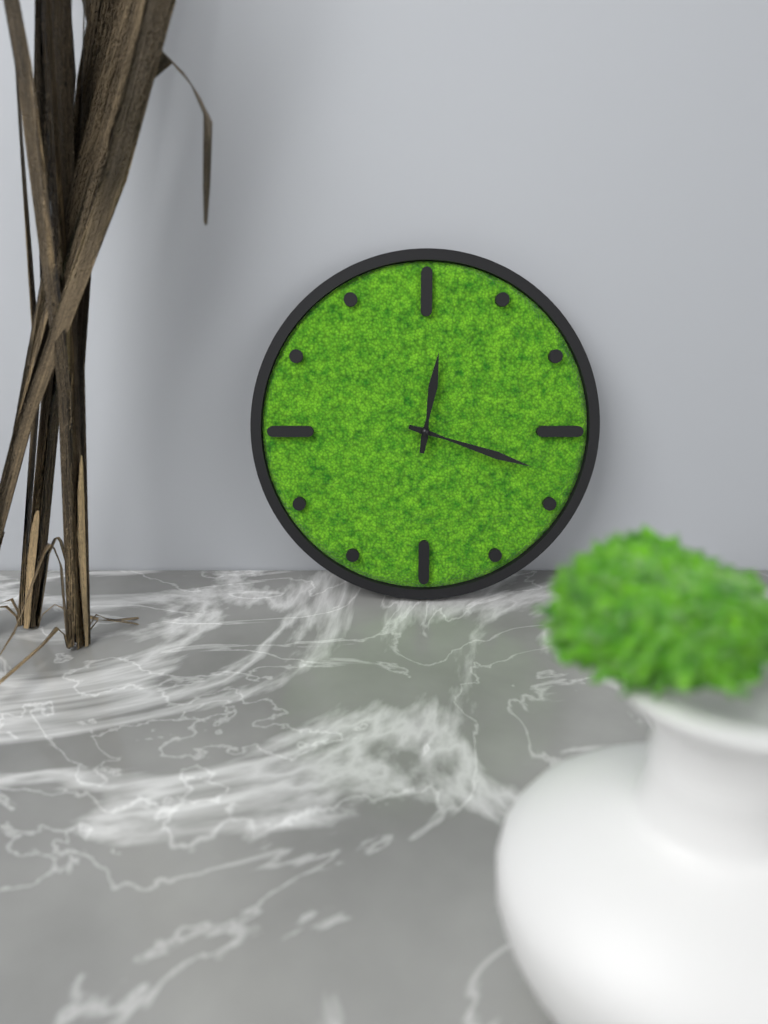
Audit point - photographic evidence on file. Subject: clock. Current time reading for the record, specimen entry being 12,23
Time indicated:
12,18
